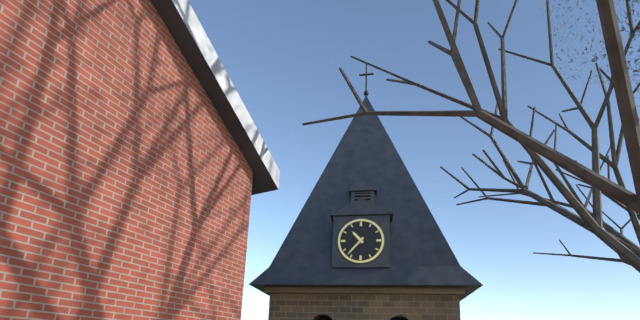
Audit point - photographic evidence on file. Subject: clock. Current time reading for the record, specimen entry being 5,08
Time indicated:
10,37
